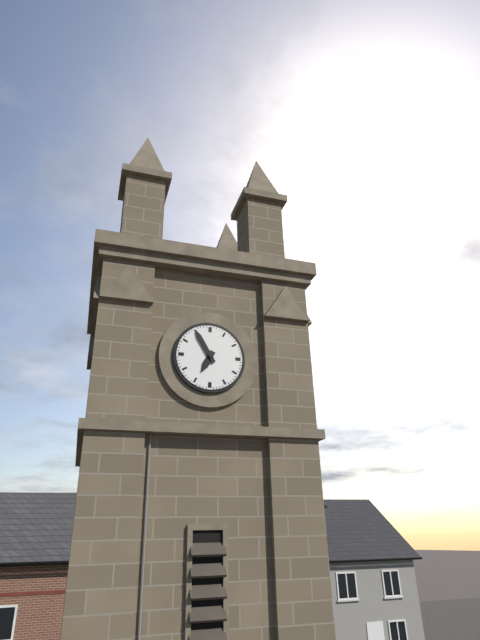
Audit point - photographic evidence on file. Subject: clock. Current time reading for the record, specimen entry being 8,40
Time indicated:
6,55
